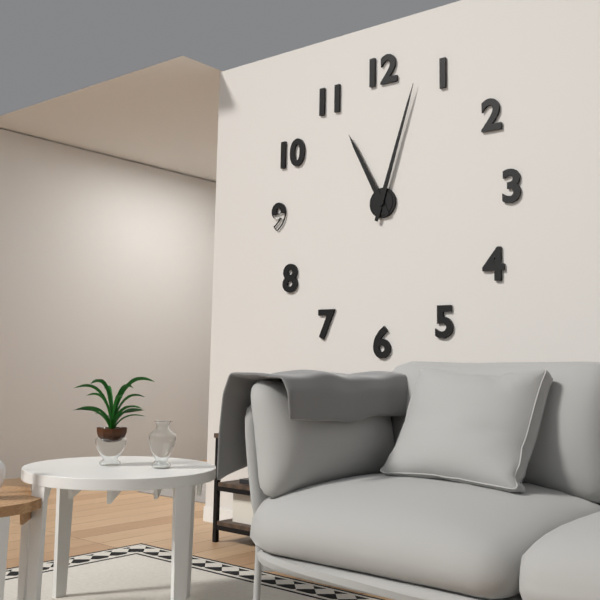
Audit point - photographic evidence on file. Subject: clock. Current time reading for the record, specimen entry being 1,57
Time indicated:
11,03
